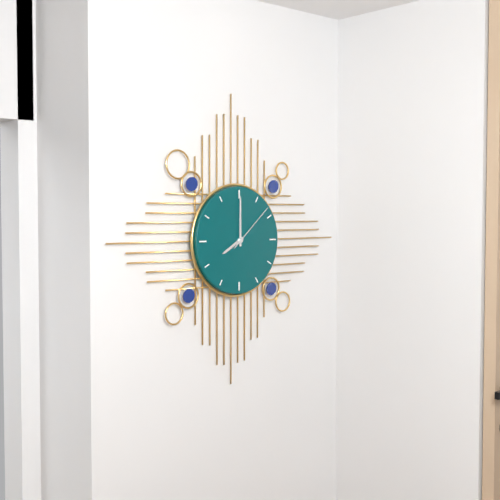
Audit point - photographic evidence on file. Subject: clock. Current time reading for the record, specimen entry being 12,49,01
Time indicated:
8,00,08
